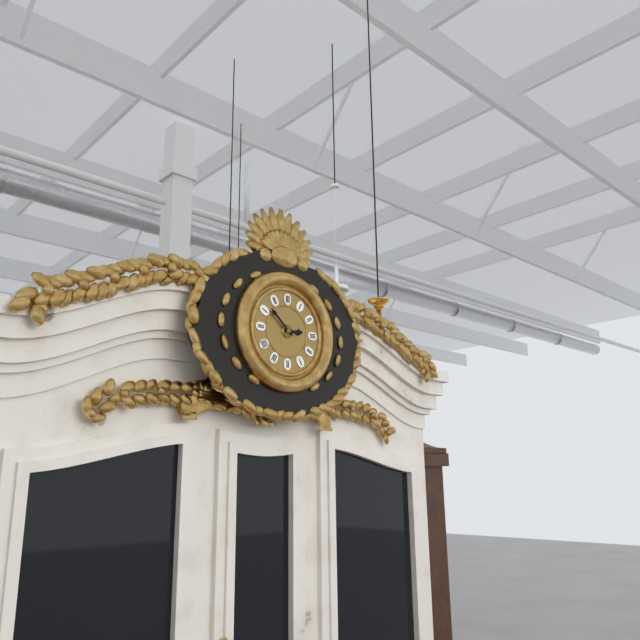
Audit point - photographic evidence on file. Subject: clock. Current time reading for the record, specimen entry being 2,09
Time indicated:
2,52
